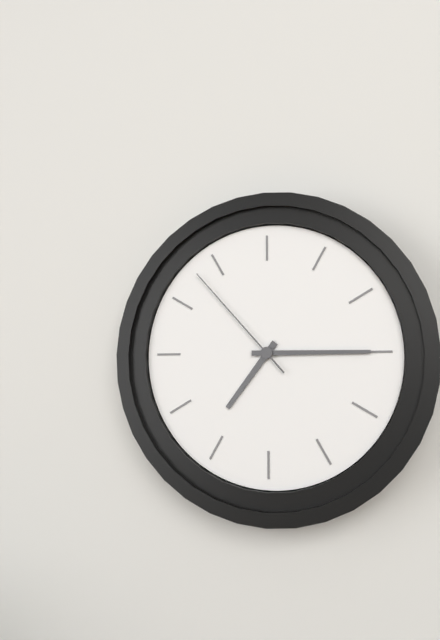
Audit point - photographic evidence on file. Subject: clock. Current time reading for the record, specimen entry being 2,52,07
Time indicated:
7,15,53
